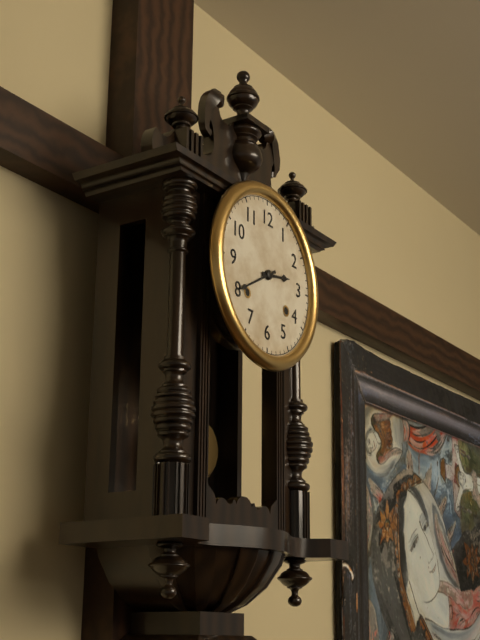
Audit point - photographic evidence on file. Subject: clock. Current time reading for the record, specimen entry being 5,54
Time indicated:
2,40
